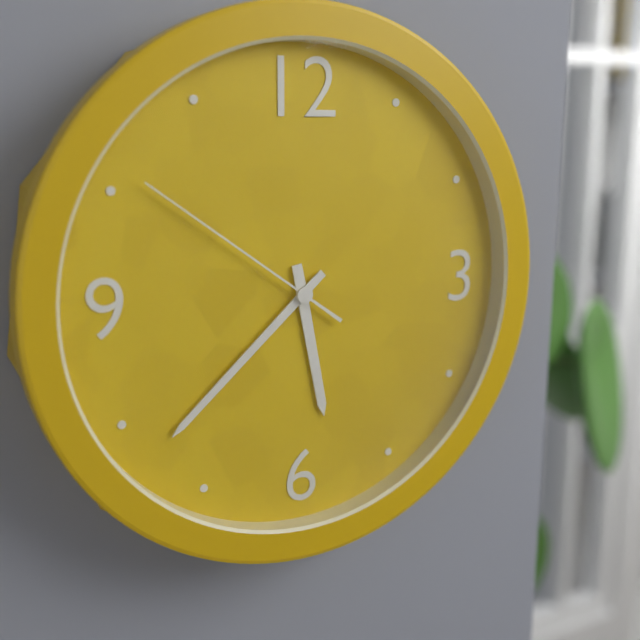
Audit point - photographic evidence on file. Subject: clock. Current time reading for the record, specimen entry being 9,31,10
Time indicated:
5,38,51
